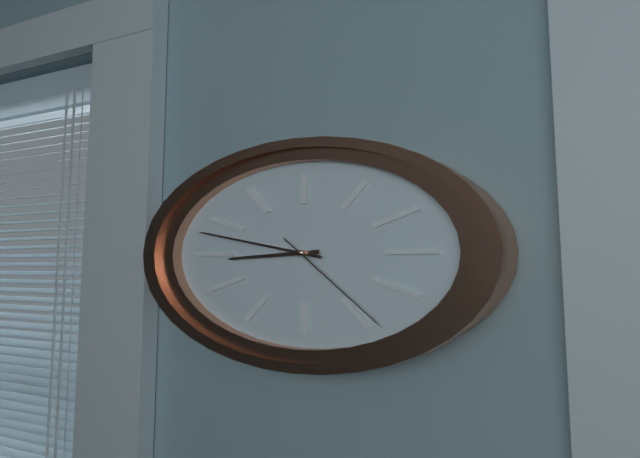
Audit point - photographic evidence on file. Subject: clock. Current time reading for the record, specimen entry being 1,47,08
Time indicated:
8,48,24
